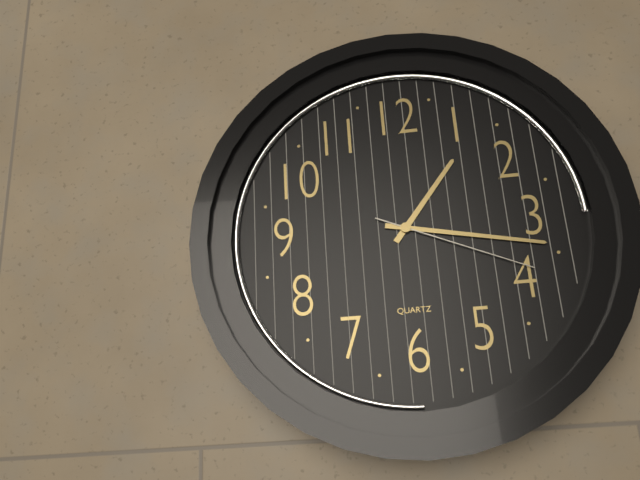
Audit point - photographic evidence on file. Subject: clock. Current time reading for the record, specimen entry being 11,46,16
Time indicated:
1,17,19
